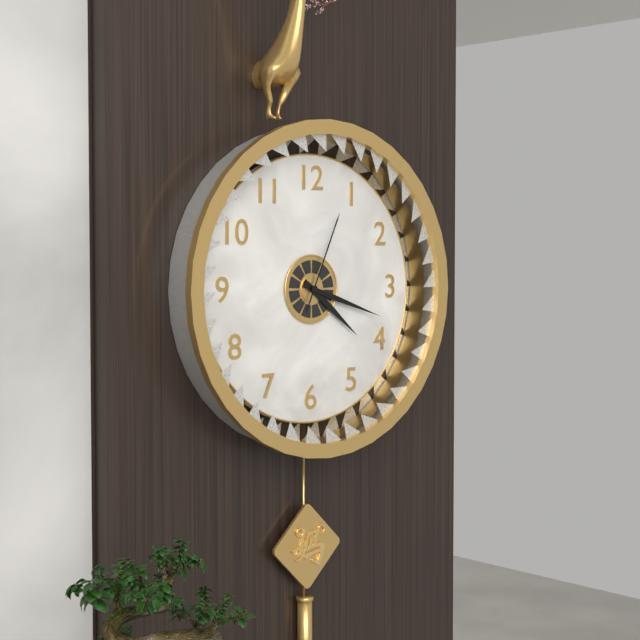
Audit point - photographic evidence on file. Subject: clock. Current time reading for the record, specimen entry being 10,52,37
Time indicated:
4,18,04
